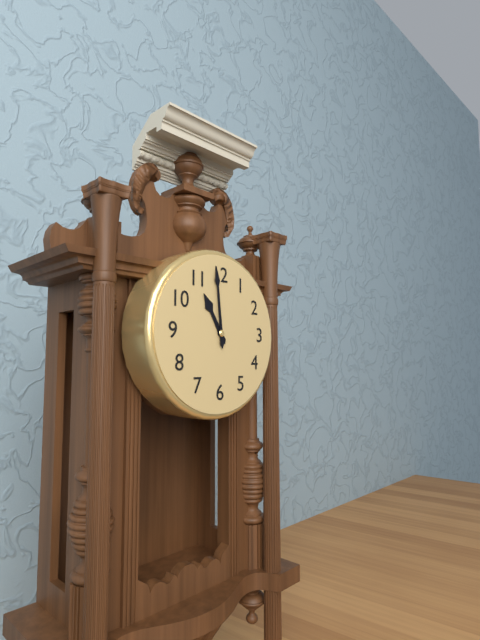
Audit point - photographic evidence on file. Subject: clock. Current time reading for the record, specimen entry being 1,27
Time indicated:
10,59
